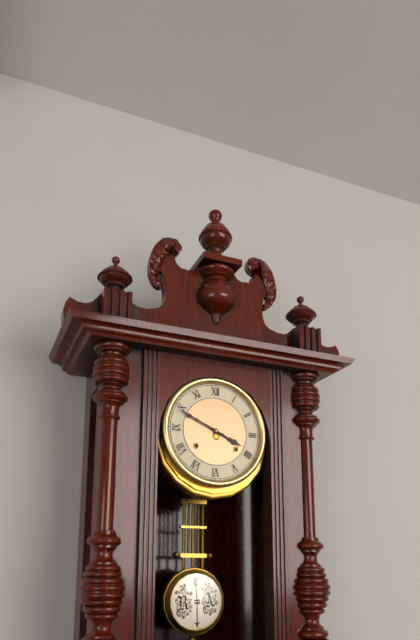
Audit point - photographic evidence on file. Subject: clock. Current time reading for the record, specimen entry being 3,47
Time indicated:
3,49
